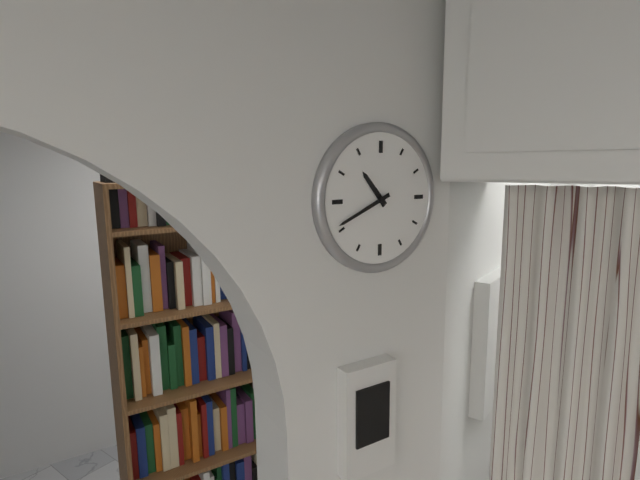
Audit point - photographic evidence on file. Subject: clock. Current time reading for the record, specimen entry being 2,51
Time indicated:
10,41
